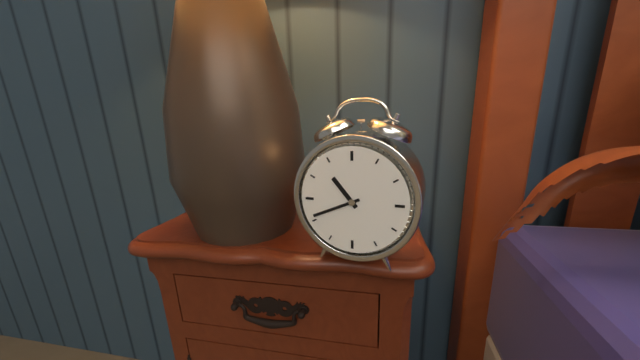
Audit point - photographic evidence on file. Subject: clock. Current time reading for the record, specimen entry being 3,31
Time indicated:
10,41
